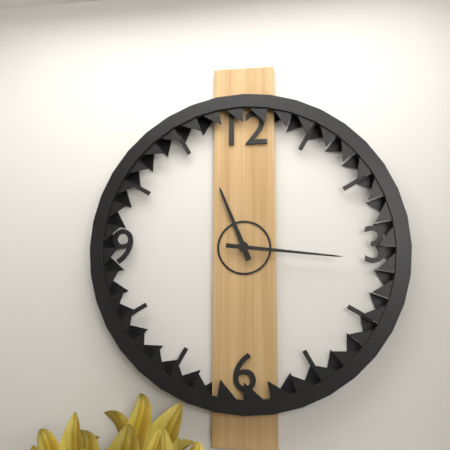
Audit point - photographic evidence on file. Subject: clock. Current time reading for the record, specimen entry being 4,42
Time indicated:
11,16
